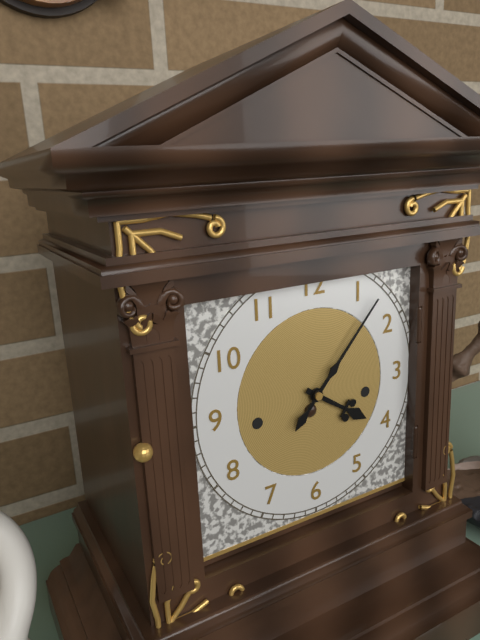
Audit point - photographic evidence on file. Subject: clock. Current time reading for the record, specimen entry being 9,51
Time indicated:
4,07
